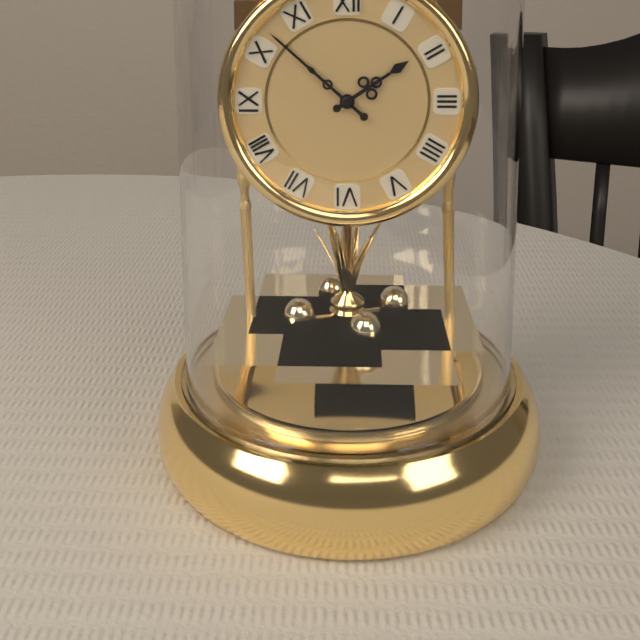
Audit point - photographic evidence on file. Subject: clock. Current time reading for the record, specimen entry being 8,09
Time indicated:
1,52
